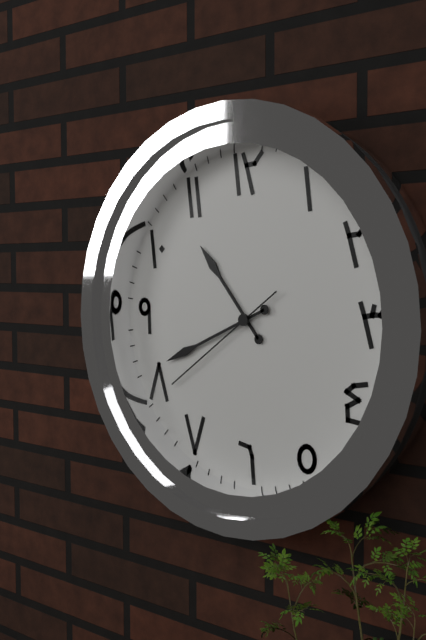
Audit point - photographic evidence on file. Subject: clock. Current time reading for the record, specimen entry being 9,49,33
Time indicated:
10,41,39
